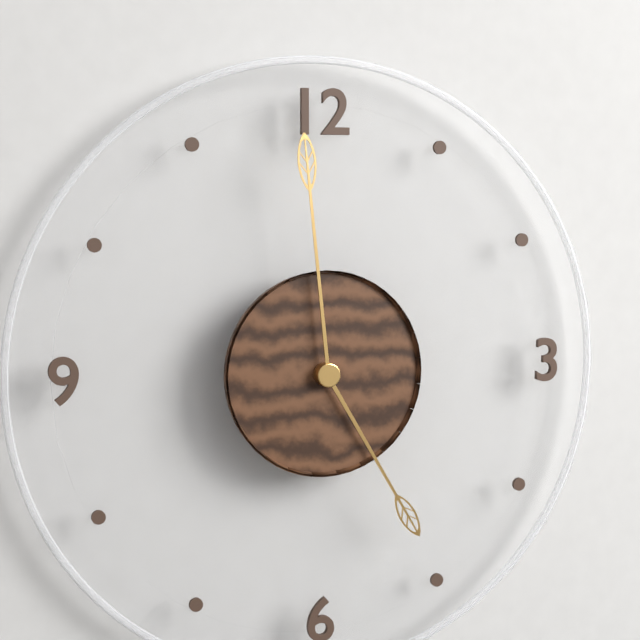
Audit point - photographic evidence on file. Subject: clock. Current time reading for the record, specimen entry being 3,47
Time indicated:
4,59
